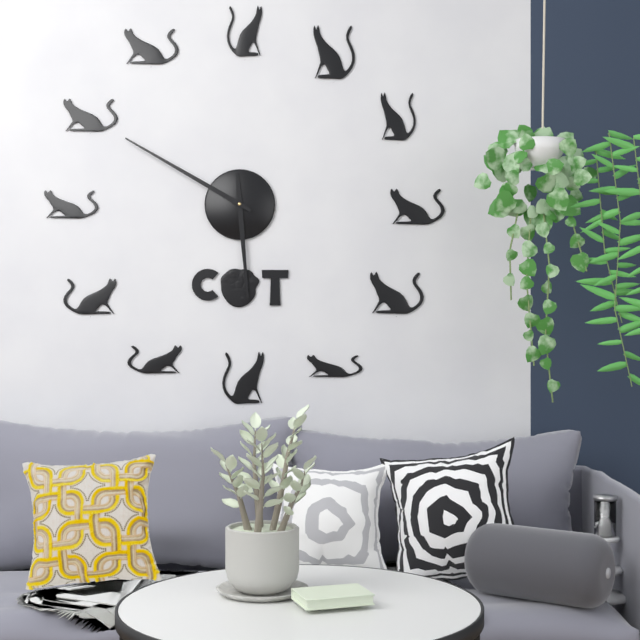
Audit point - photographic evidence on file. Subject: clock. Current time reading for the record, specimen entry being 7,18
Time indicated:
5,50
